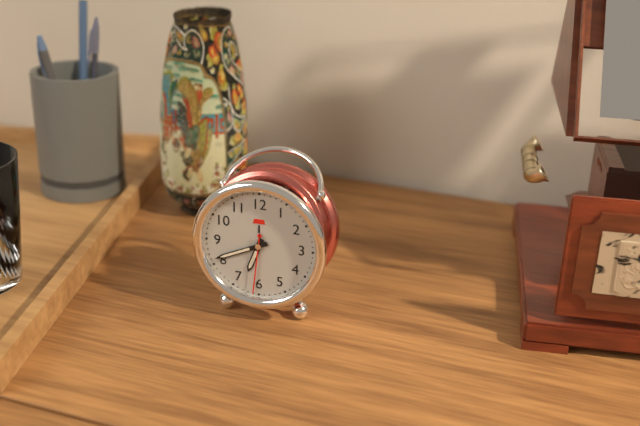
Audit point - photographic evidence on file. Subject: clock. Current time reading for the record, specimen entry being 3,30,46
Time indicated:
6,41,31
